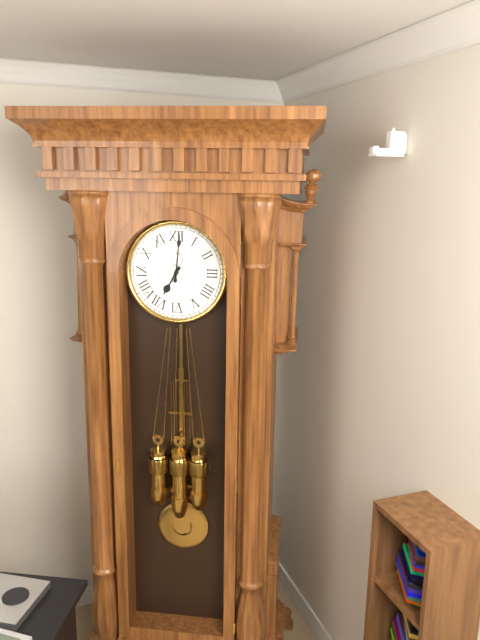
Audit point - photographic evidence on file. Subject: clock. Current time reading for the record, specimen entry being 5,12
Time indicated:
7,01
